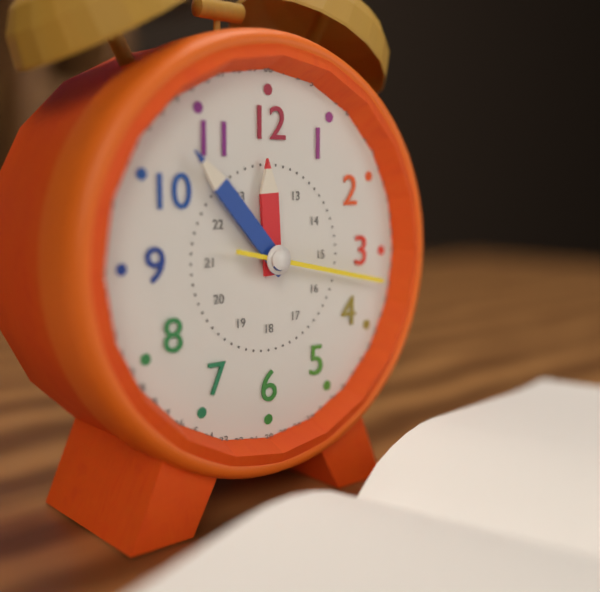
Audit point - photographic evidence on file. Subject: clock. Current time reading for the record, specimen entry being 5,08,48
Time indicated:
11,53,17
